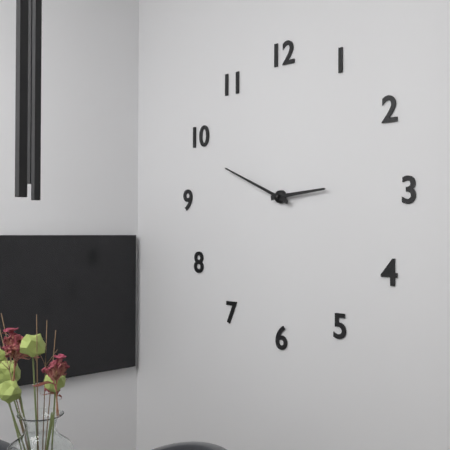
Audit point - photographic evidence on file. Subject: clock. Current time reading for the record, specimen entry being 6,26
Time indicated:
2,49
